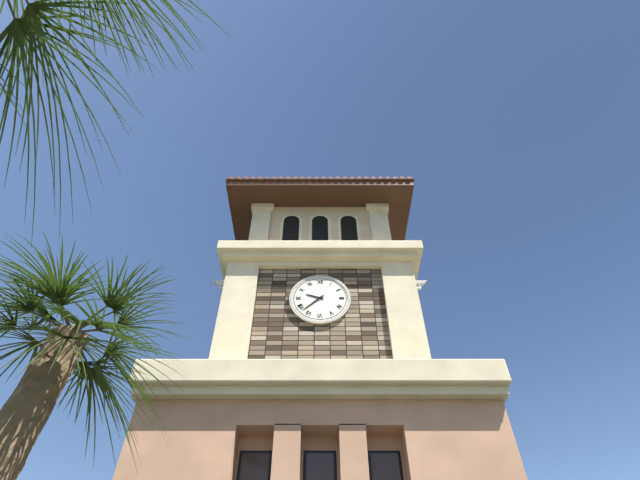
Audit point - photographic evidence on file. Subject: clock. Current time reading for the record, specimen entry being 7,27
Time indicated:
9,38
